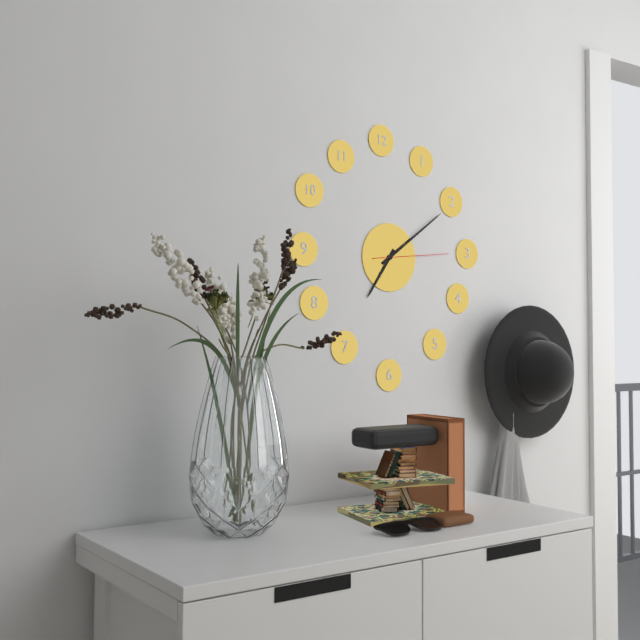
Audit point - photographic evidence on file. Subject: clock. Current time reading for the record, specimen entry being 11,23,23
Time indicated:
7,09,14
